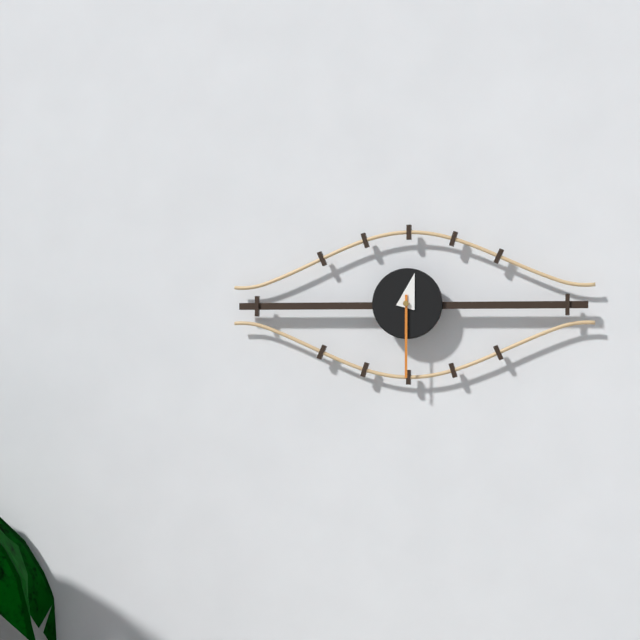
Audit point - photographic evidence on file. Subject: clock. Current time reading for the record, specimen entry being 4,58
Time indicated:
12,30
